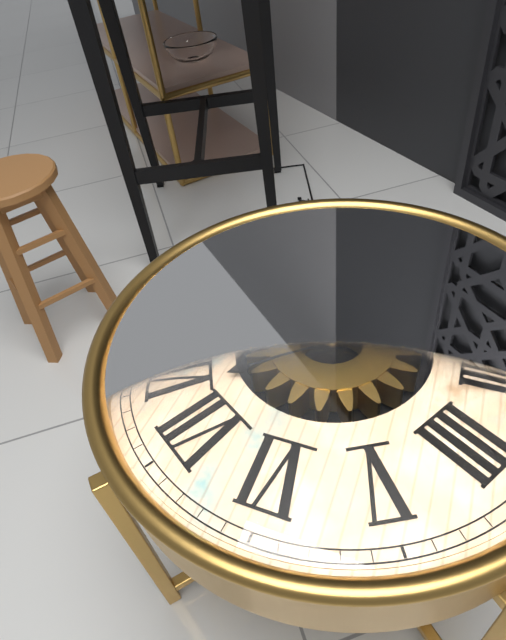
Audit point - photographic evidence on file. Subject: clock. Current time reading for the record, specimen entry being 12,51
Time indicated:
12,38
